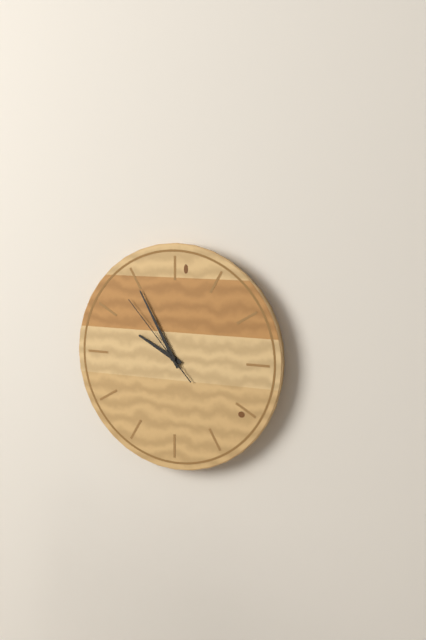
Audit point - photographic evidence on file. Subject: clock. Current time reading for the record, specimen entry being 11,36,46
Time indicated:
9,55,53
